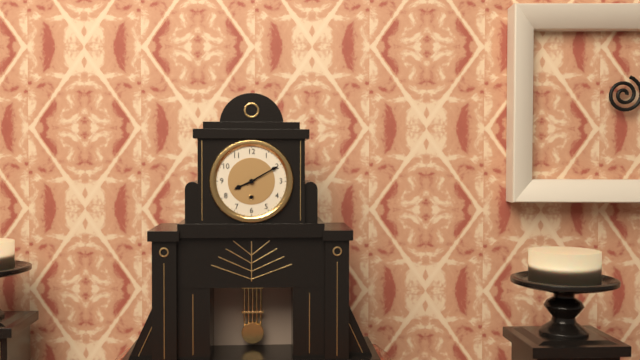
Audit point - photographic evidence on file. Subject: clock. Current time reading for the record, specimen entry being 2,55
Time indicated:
8,10
